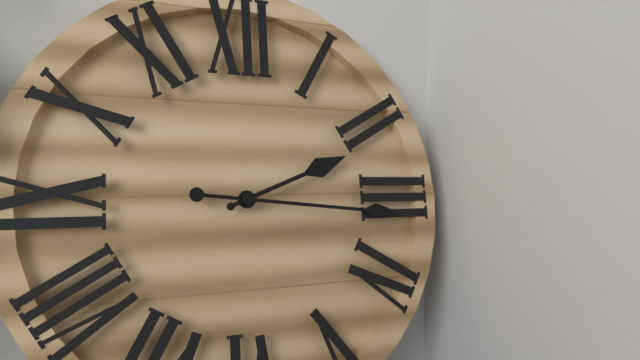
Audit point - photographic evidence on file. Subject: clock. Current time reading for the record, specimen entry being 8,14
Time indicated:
2,16
